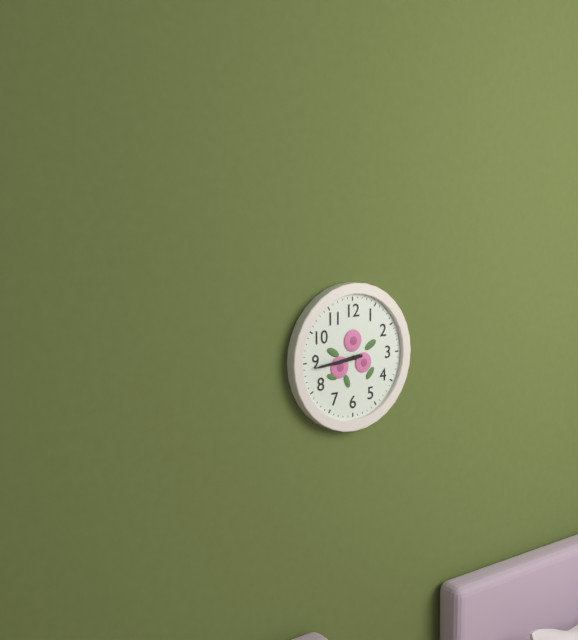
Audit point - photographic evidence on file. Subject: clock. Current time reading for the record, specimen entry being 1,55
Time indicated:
8,44
